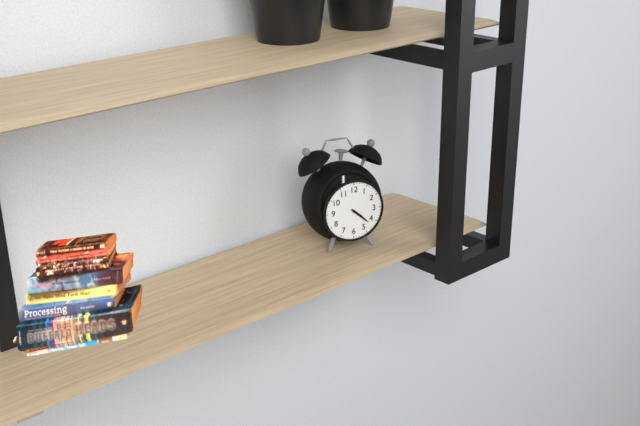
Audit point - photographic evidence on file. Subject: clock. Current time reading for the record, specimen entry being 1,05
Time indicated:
4,22
